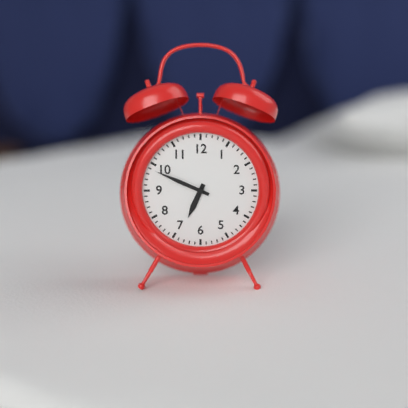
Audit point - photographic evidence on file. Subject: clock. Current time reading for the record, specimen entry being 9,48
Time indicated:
6,49
